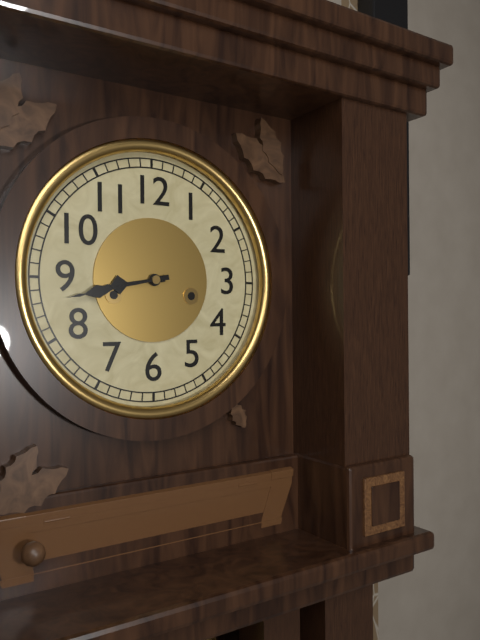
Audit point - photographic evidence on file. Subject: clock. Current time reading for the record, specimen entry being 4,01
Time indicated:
8,43
